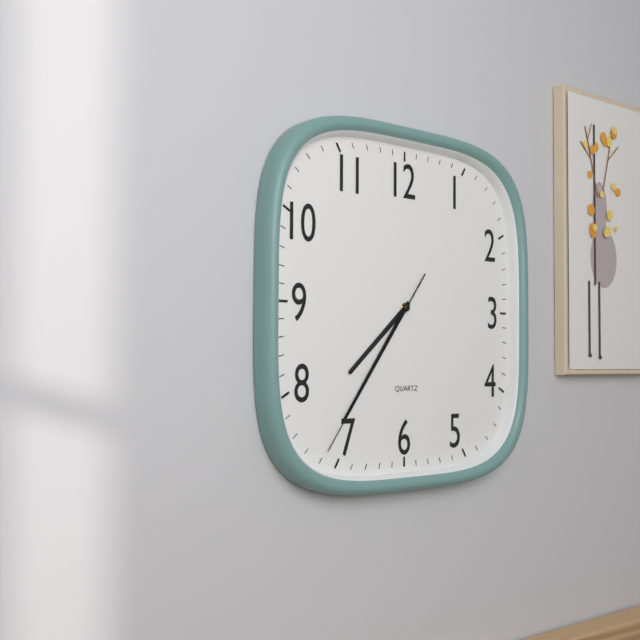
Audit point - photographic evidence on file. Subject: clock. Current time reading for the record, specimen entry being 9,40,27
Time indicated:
7,36,36
